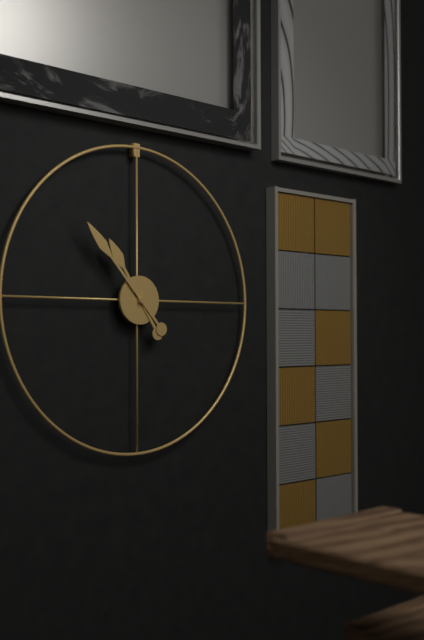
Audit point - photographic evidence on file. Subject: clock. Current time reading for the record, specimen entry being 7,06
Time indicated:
10,53
